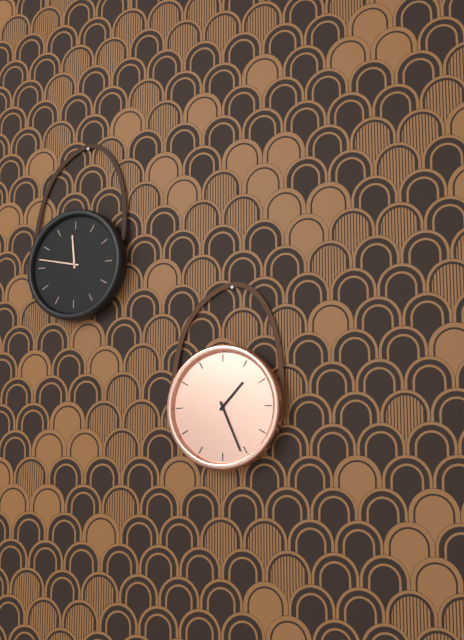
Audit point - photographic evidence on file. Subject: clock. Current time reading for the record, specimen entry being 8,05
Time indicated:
1,26
